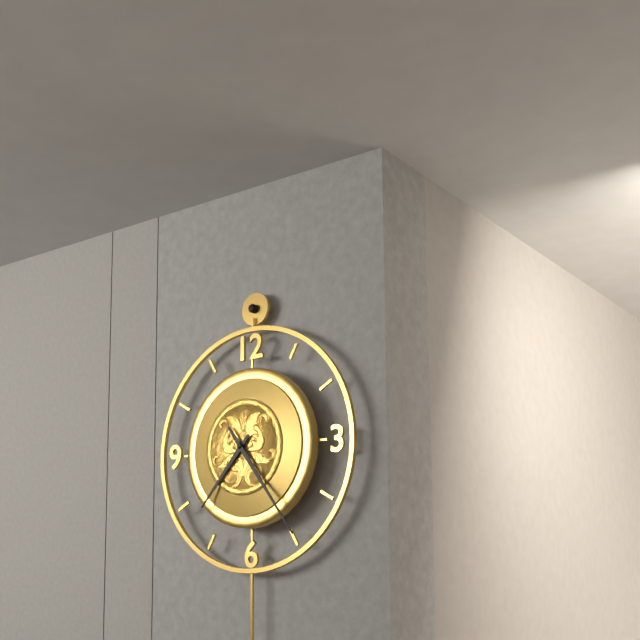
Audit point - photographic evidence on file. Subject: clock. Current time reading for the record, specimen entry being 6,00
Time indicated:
7,24
